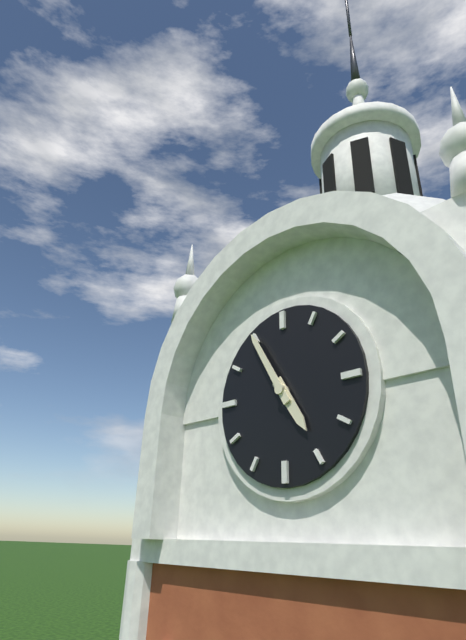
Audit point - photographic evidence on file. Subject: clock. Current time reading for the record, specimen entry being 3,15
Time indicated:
4,55
